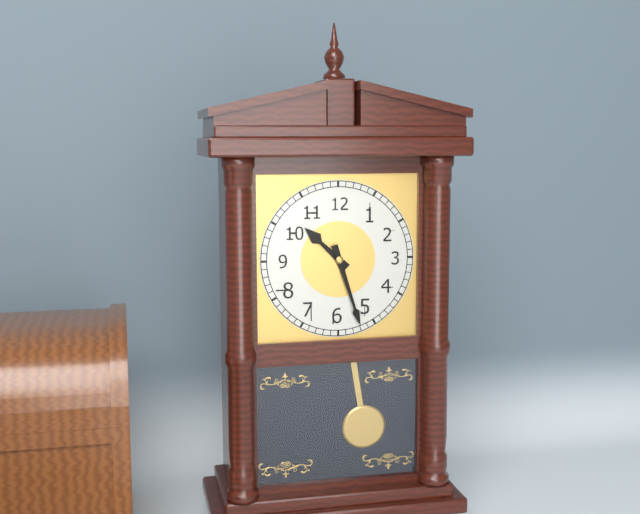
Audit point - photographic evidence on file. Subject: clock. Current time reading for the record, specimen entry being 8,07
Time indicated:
10,27
